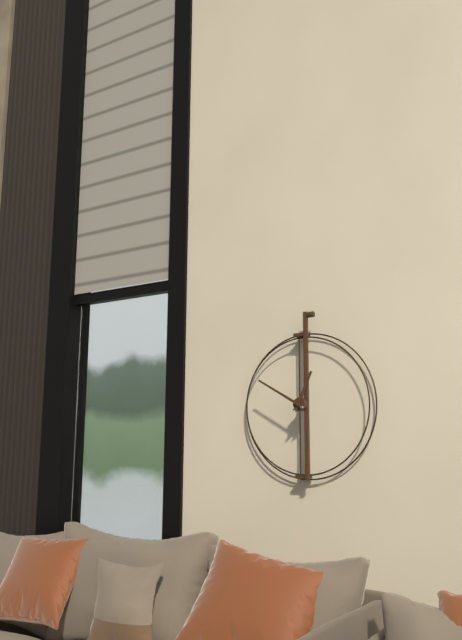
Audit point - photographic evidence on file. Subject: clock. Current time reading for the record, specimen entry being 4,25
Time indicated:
12,50
